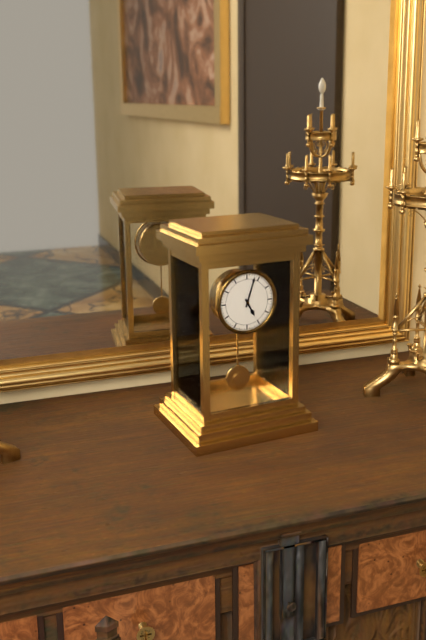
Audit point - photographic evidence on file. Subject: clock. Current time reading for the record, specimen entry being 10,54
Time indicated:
5,03
